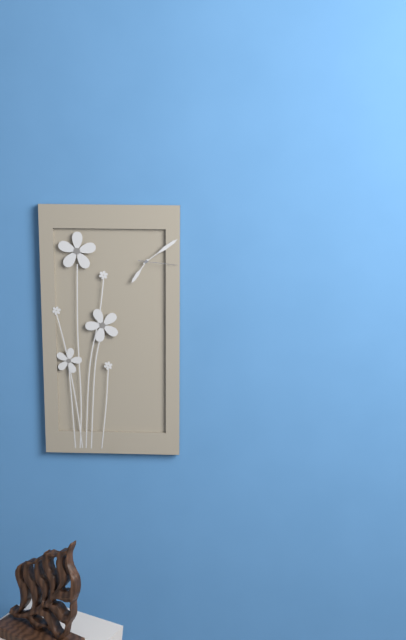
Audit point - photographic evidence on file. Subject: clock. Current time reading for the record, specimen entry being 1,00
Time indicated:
7,09
